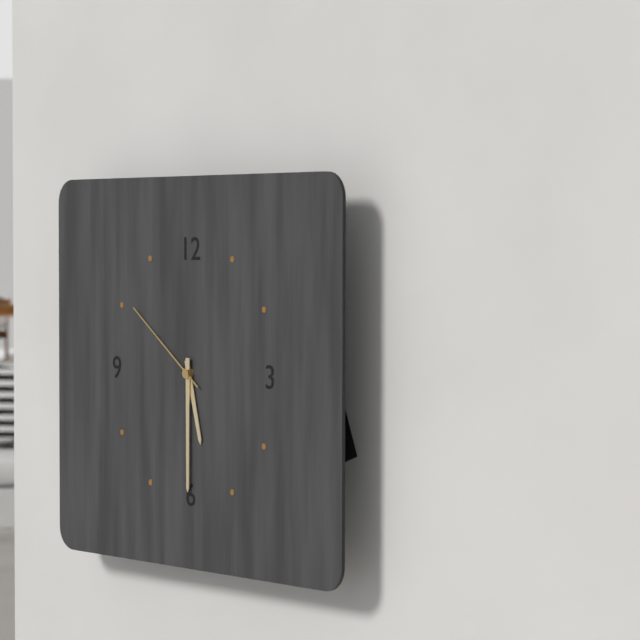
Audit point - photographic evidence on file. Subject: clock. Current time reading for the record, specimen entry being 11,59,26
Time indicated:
5,30,51
